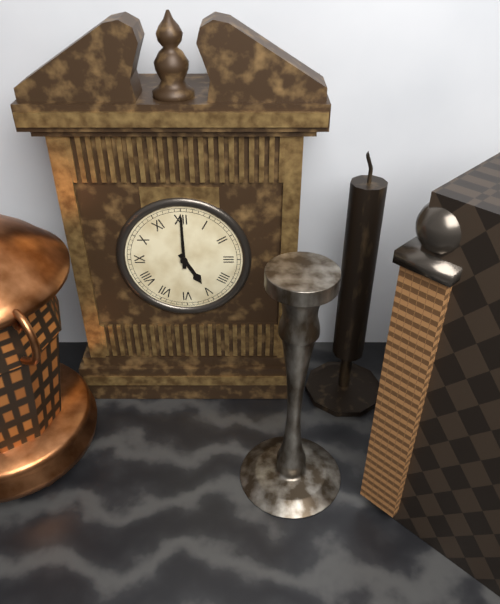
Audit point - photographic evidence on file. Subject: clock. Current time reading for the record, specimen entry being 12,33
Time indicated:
5,00
